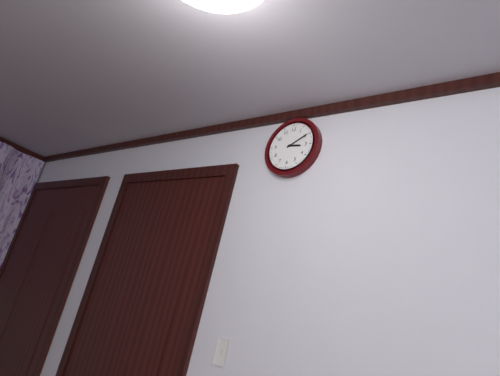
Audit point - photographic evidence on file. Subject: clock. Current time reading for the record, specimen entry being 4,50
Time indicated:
3,10
